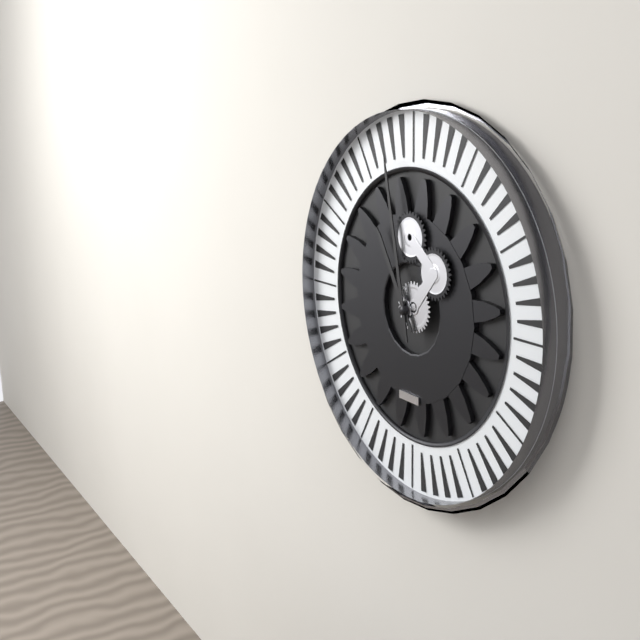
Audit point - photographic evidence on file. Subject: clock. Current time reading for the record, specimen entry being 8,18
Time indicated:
10,58
